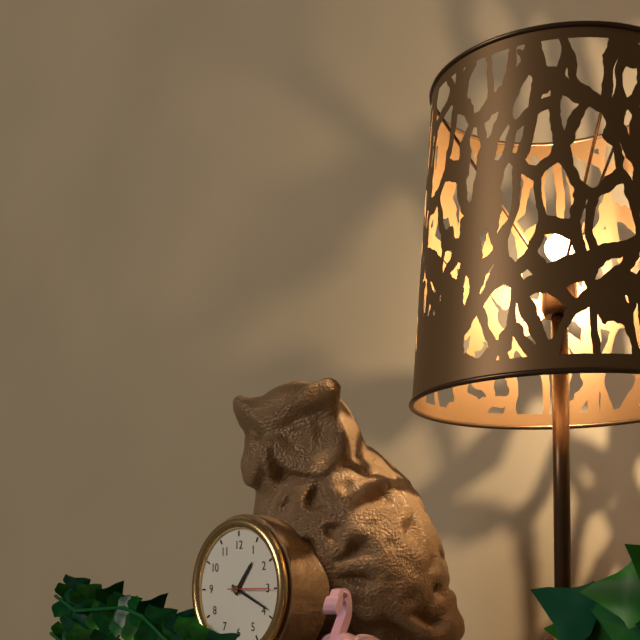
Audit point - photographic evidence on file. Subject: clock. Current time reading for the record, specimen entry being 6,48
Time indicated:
1,19
